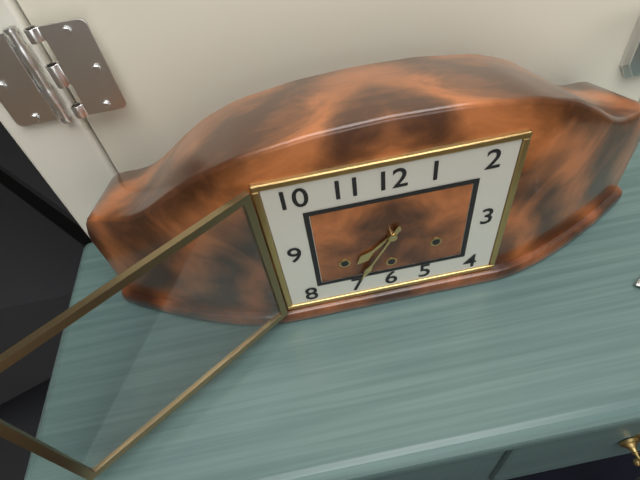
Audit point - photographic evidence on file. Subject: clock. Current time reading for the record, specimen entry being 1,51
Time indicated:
7,35
